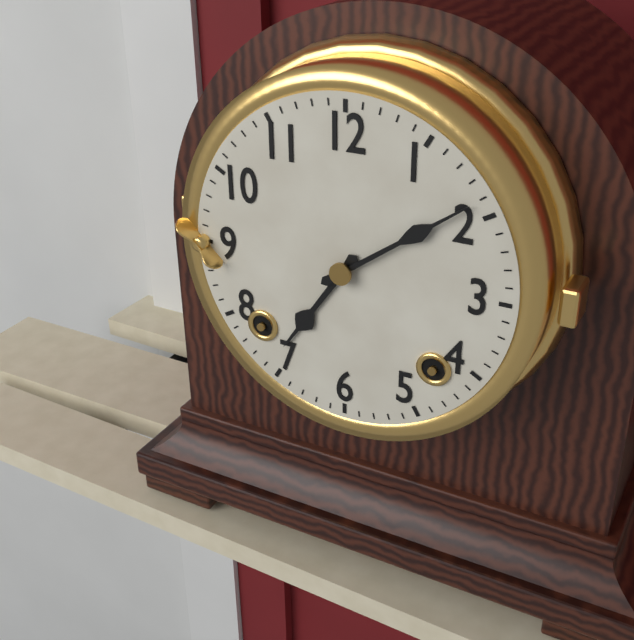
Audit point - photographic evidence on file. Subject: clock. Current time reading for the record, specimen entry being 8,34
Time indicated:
7,09
